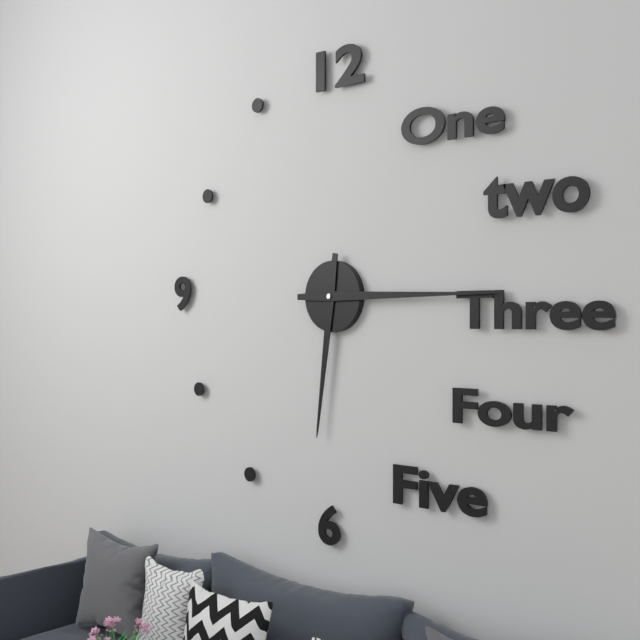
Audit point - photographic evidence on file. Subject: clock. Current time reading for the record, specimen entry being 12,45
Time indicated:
6,15
